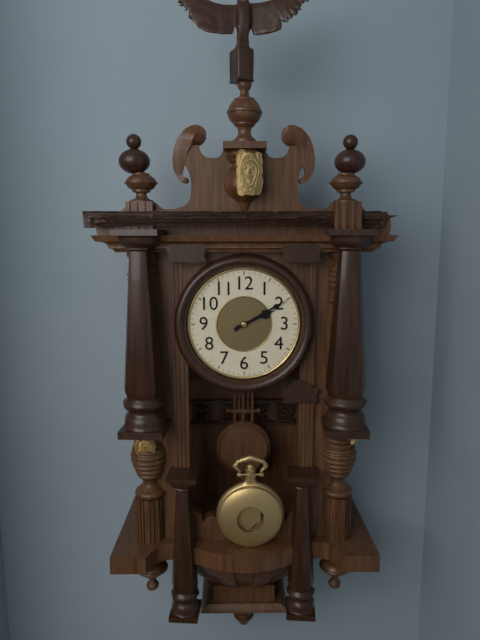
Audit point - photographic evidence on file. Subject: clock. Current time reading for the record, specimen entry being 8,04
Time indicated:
2,10
